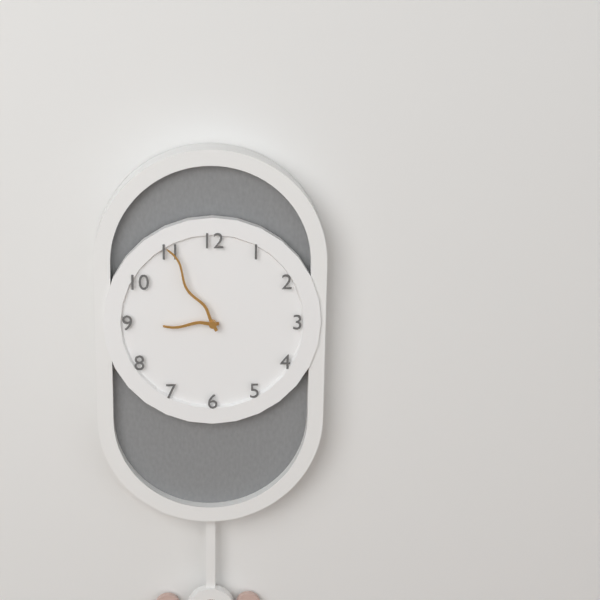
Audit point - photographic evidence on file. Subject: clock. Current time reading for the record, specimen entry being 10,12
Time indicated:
8,55
